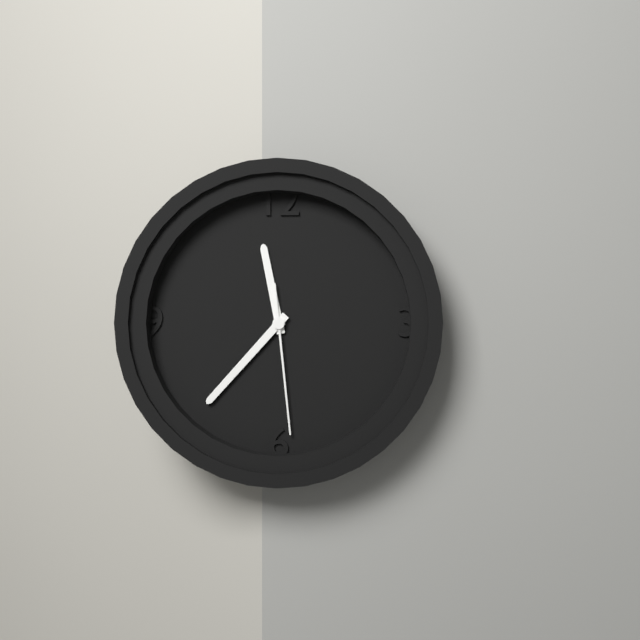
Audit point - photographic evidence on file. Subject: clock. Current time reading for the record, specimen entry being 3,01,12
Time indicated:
11,37,29
